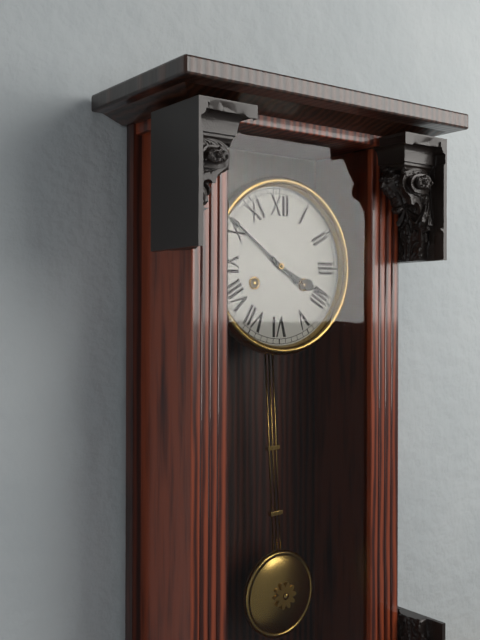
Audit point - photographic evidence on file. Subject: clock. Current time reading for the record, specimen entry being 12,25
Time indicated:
3,51
